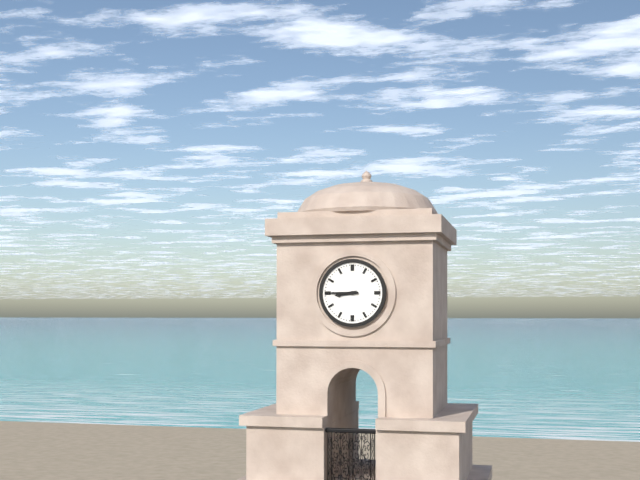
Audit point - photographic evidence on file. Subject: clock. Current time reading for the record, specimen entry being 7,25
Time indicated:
8,45
